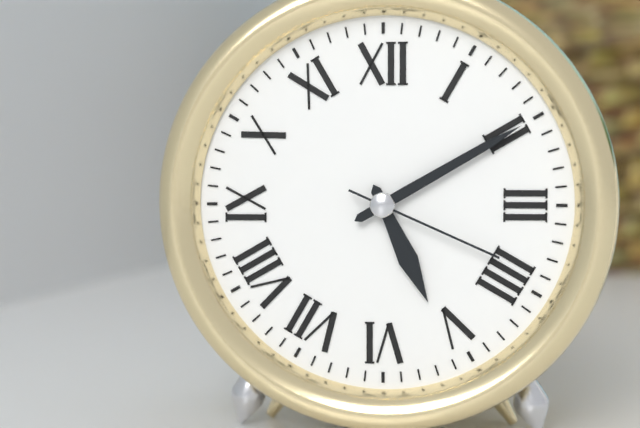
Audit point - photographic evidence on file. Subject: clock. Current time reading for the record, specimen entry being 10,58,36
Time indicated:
5,10,19
